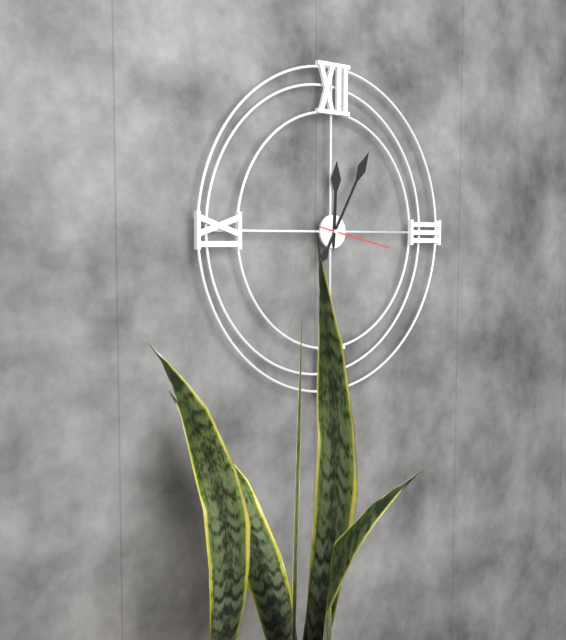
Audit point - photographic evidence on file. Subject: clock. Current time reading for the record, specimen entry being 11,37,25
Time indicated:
12,05,17
